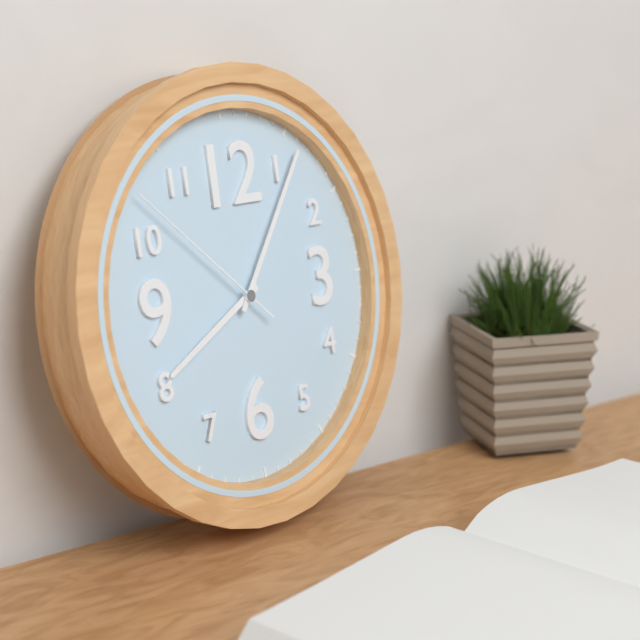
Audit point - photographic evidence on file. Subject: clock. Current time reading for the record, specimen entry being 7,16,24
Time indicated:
8,06,52
